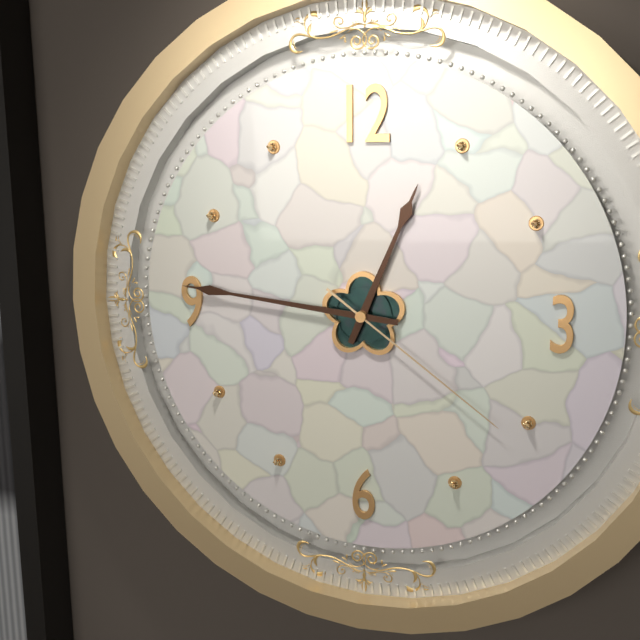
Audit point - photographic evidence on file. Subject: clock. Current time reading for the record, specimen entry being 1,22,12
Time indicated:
12,46,21
